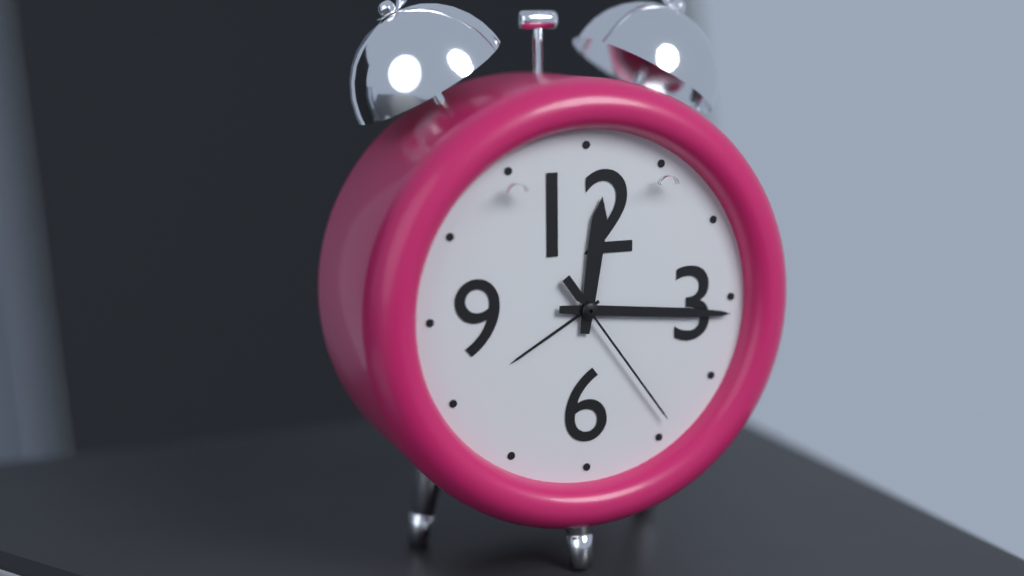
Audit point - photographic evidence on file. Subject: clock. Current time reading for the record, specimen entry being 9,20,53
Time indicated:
12,16,24
